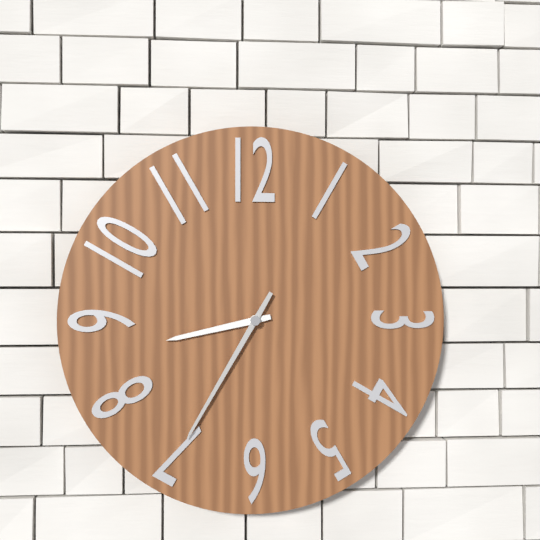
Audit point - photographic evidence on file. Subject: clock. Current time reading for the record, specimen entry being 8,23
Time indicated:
8,35
